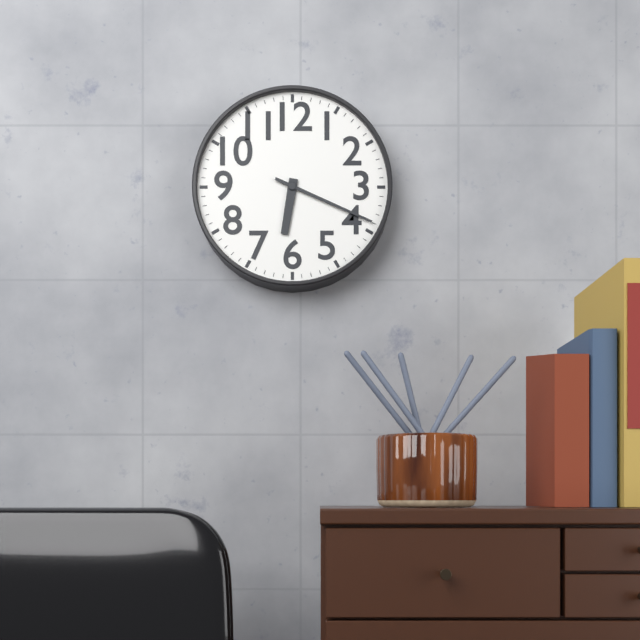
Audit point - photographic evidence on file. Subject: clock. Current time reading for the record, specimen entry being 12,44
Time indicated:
6,19
